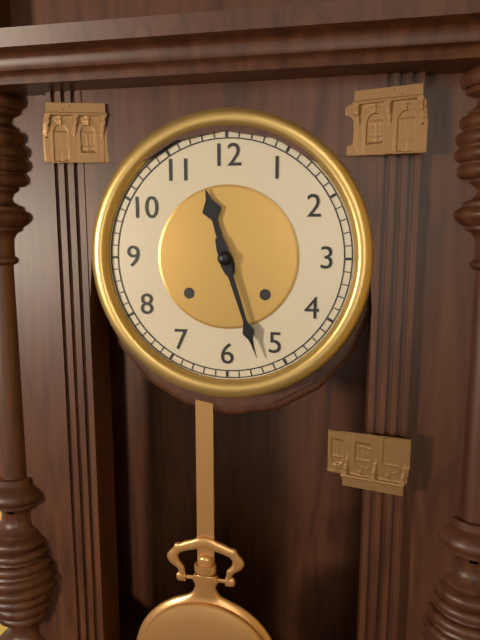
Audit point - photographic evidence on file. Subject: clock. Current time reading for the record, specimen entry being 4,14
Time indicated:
11,27
